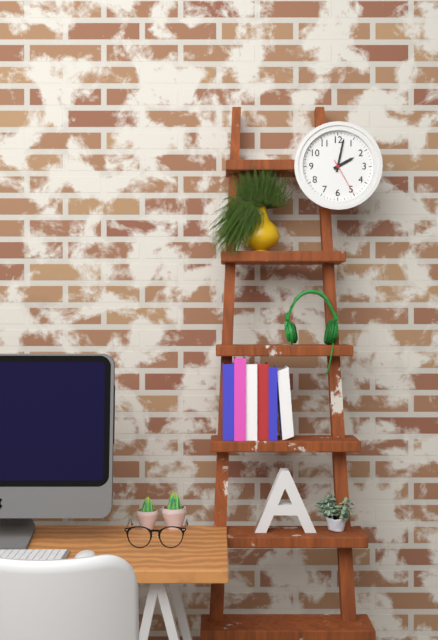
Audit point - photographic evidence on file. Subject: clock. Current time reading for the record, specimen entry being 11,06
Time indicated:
2,02
